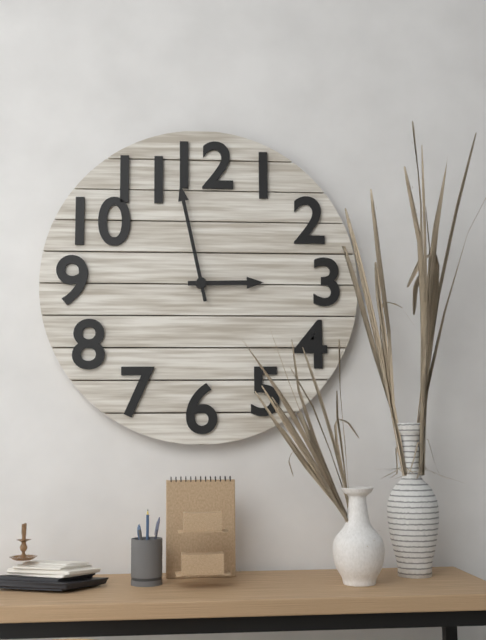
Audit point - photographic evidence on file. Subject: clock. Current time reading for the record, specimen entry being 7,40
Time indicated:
2,58
